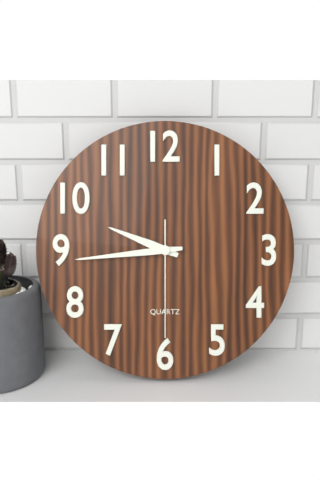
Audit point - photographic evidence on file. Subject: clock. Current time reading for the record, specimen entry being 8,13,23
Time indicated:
9,44,30
